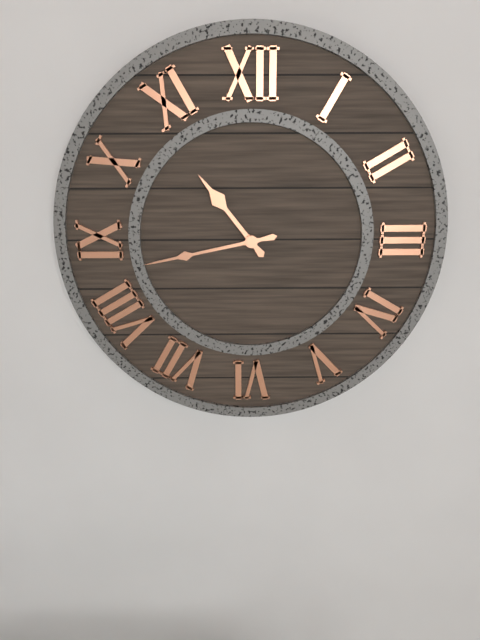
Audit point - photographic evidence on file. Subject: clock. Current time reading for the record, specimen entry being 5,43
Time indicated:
10,43
